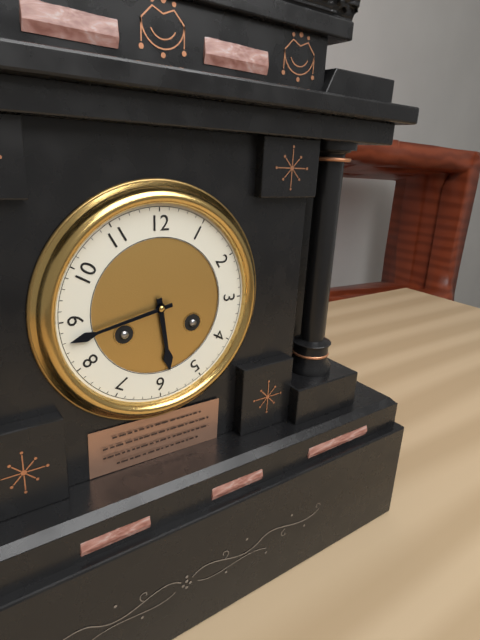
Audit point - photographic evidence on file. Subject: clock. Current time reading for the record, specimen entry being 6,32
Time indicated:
5,43
